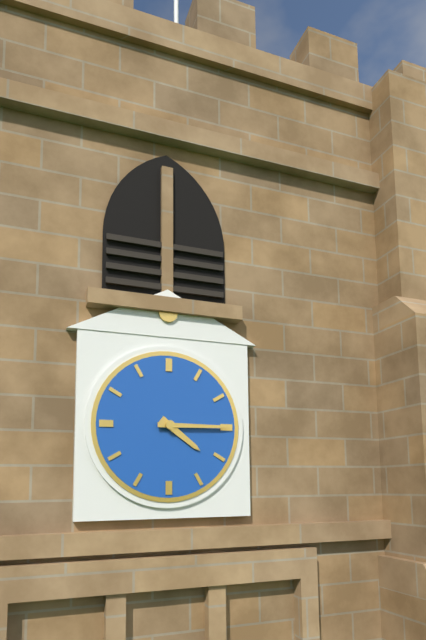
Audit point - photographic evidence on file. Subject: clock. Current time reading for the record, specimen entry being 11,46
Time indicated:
4,15
